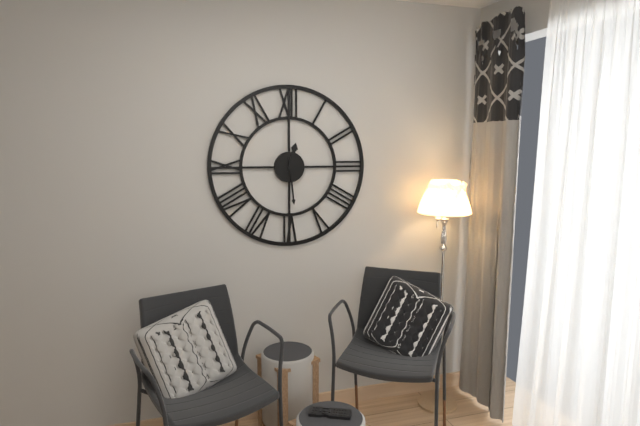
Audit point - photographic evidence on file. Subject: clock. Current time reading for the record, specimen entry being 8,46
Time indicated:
12,29
